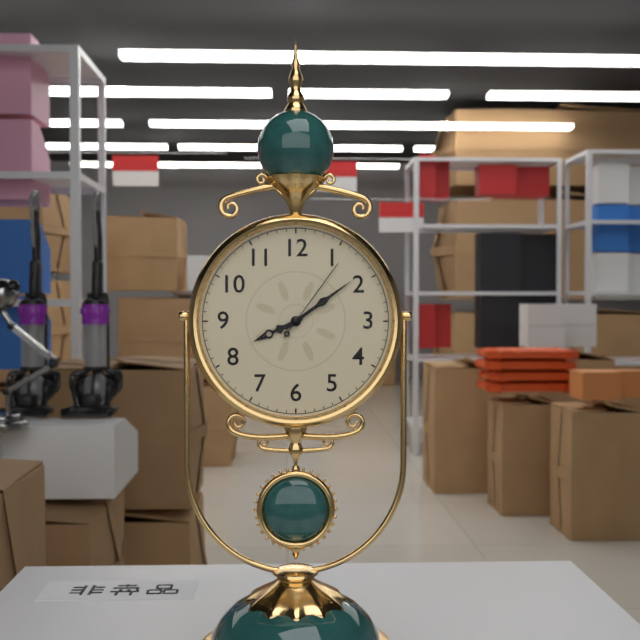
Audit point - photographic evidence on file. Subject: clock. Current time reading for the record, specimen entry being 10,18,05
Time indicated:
8,09,06
